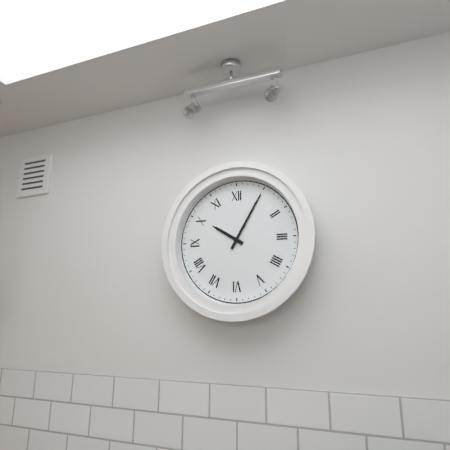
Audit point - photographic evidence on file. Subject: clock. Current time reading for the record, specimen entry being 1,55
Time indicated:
10,05
